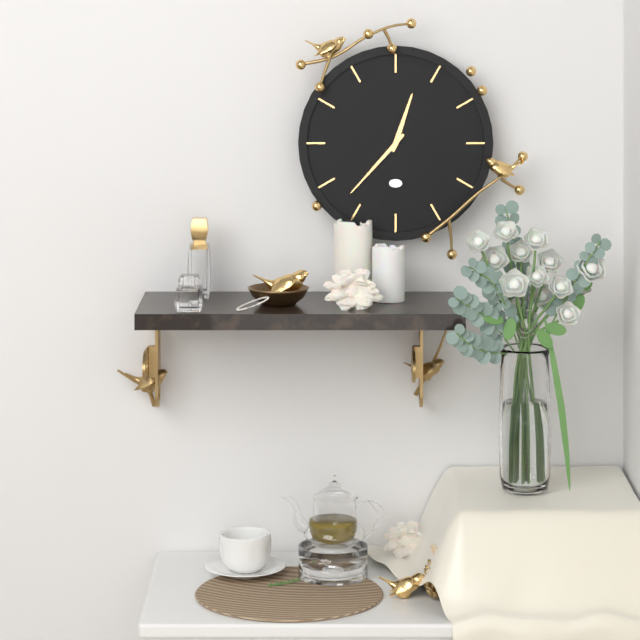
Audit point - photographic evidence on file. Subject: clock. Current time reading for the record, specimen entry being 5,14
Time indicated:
12,37
